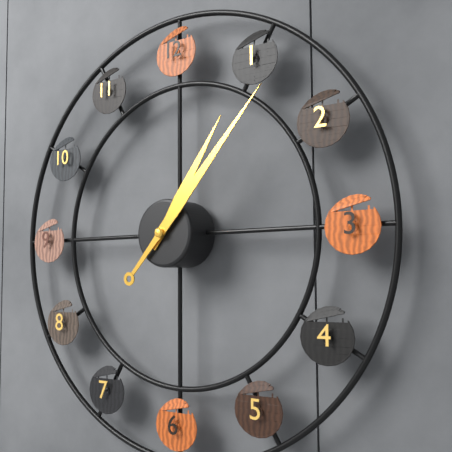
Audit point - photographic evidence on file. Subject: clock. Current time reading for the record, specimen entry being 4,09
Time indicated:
1,07
